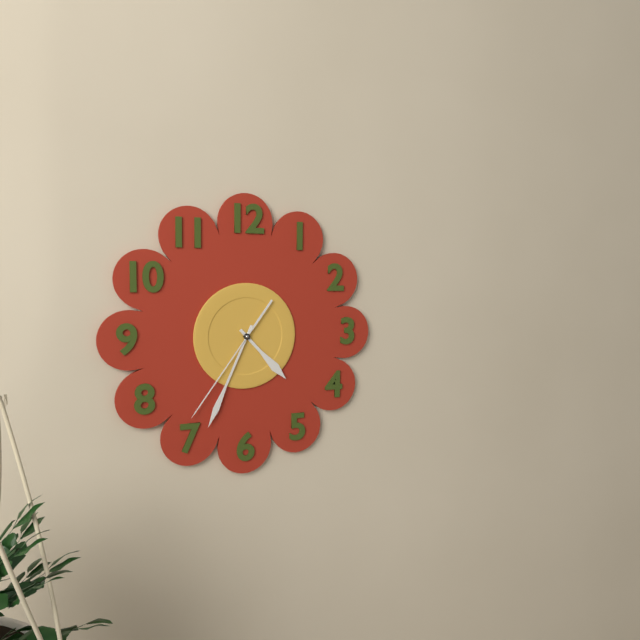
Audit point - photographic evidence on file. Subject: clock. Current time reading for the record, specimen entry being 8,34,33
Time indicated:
4,34,36
